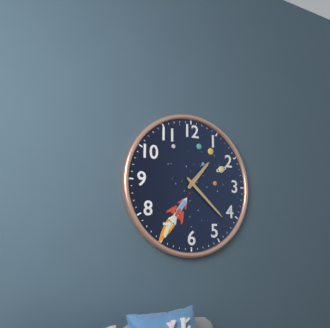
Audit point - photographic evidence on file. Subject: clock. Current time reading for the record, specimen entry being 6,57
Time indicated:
1,22
